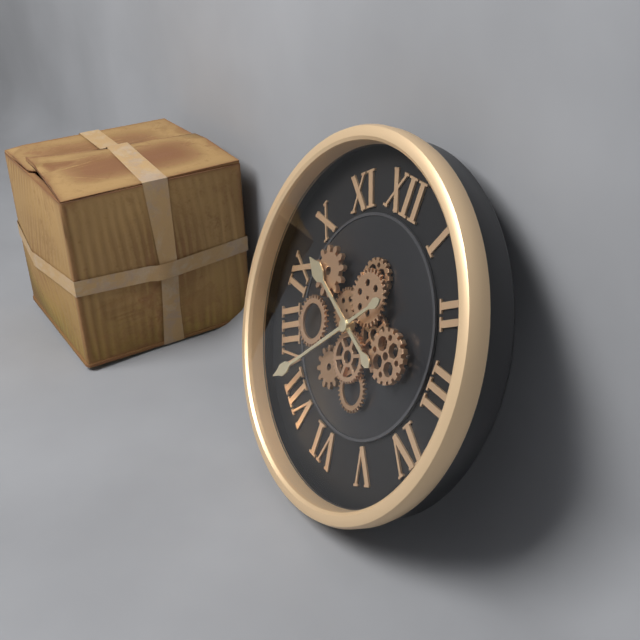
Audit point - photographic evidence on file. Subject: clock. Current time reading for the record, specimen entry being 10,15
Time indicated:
9,37
